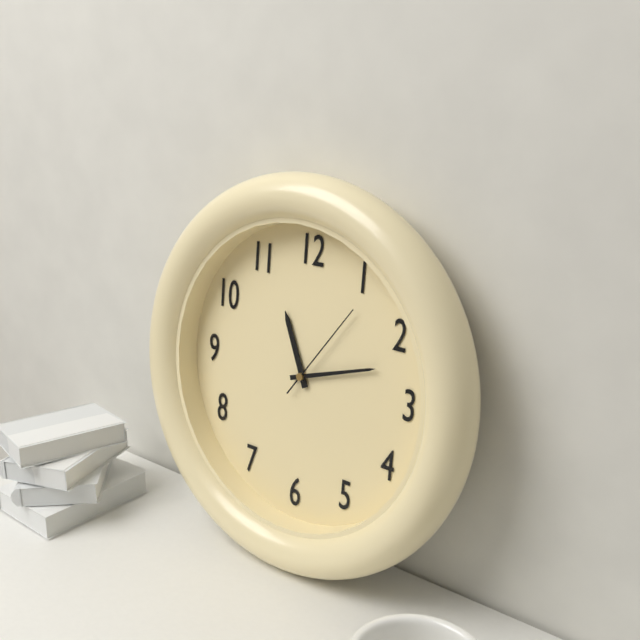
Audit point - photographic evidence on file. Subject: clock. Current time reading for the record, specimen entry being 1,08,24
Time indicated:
11,12,06
